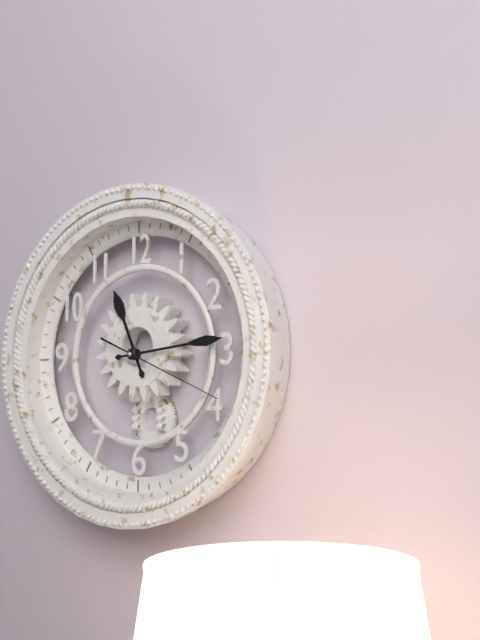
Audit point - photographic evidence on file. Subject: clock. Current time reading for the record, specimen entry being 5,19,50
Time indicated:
11,14,19
